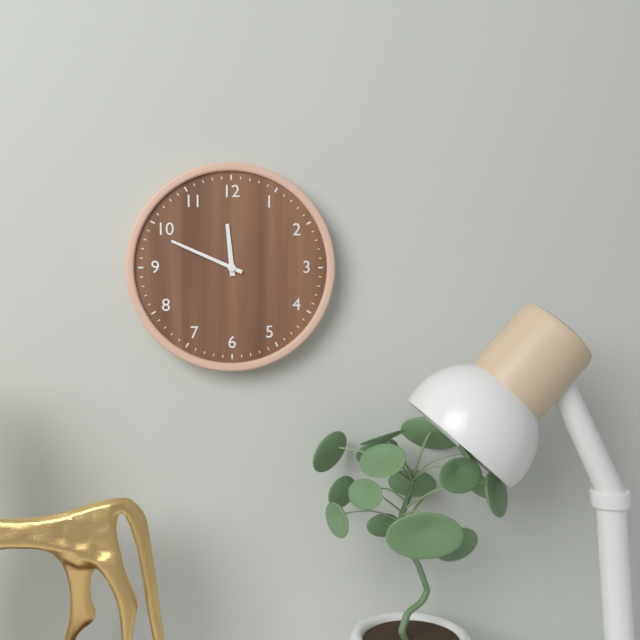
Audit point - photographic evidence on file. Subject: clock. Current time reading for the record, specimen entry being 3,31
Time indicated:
11,49
